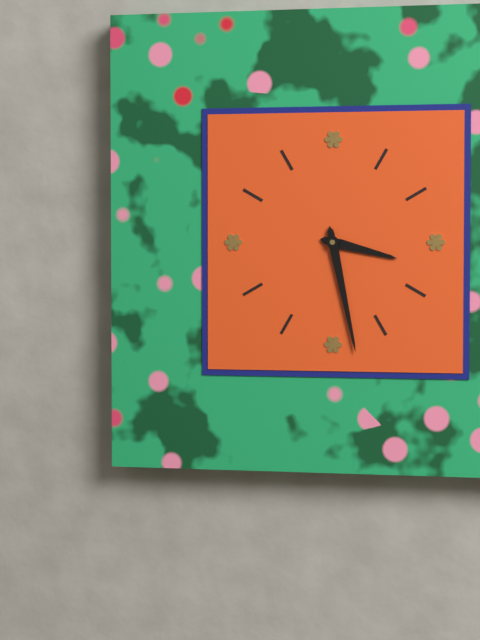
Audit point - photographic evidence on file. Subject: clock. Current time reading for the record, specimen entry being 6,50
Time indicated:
3,28
